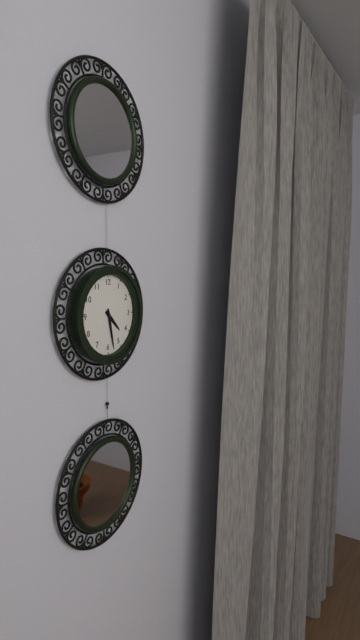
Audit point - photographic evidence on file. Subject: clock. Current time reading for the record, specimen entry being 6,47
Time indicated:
4,28
